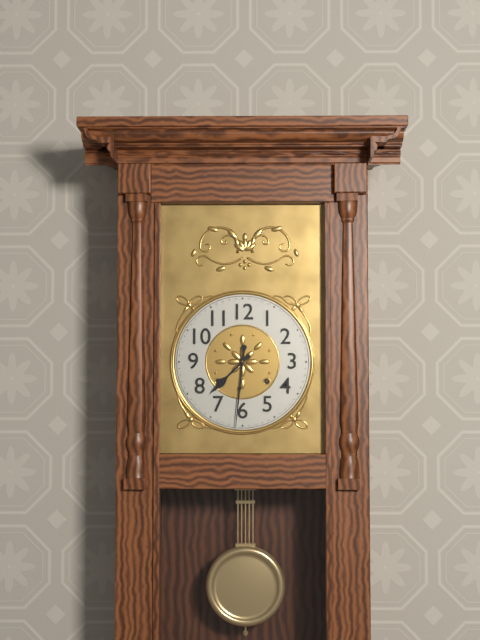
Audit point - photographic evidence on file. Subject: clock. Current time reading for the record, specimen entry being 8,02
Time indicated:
7,31
